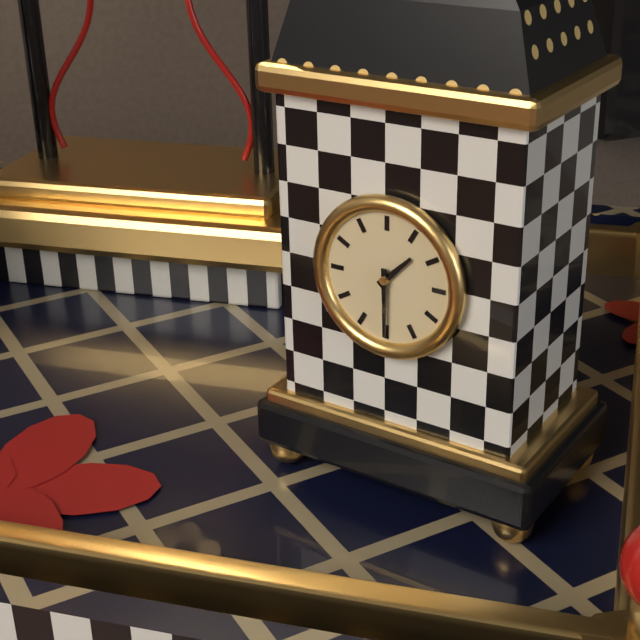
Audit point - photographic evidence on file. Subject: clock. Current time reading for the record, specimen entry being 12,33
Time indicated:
1,30
